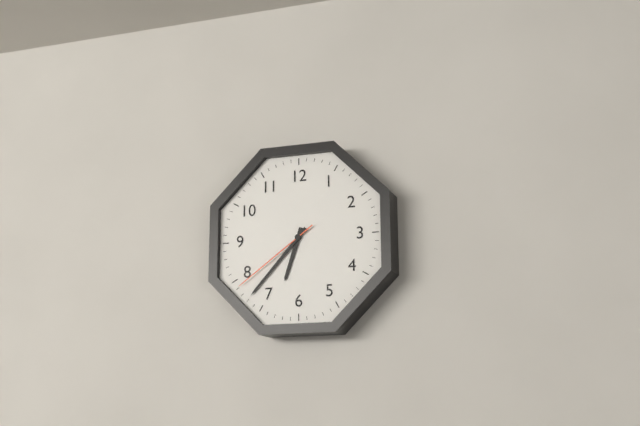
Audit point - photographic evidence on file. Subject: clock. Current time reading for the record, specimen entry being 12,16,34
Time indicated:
6,37,39
